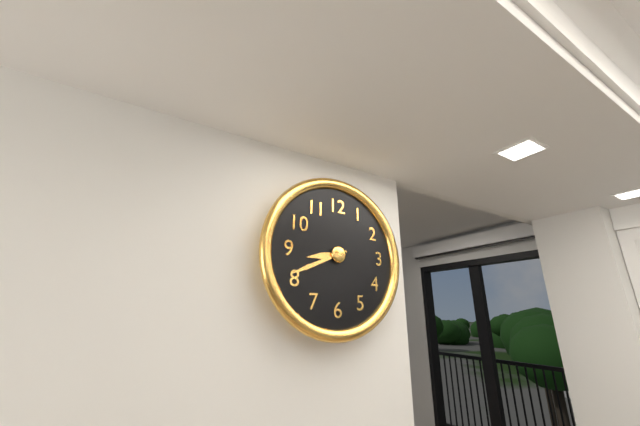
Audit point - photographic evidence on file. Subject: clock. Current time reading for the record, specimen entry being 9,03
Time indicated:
8,41
